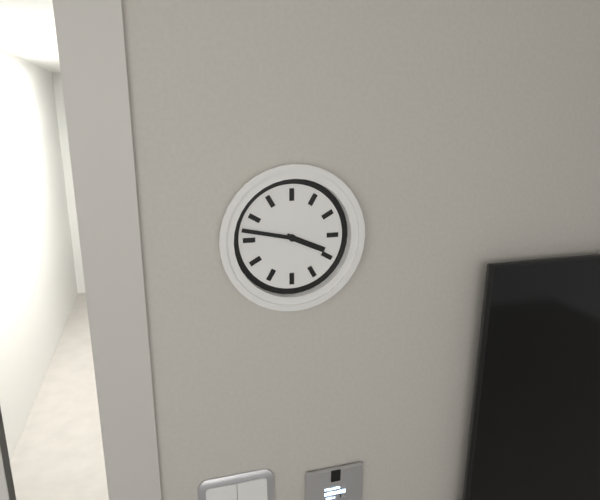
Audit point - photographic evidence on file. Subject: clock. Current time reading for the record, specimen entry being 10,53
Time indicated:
3,47
